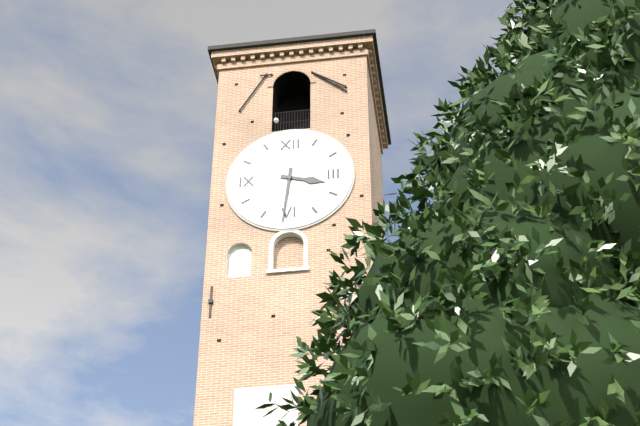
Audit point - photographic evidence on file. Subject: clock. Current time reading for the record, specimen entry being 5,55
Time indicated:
3,31
